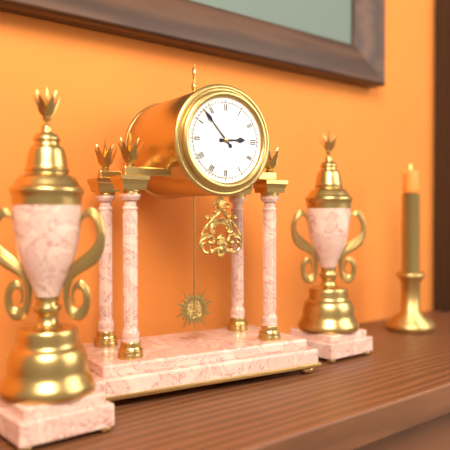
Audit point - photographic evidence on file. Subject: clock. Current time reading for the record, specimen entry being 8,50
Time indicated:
2,53
